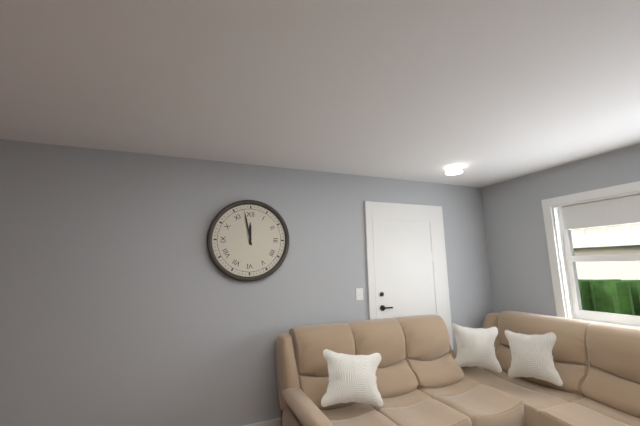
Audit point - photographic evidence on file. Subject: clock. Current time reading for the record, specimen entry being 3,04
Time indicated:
11,58
